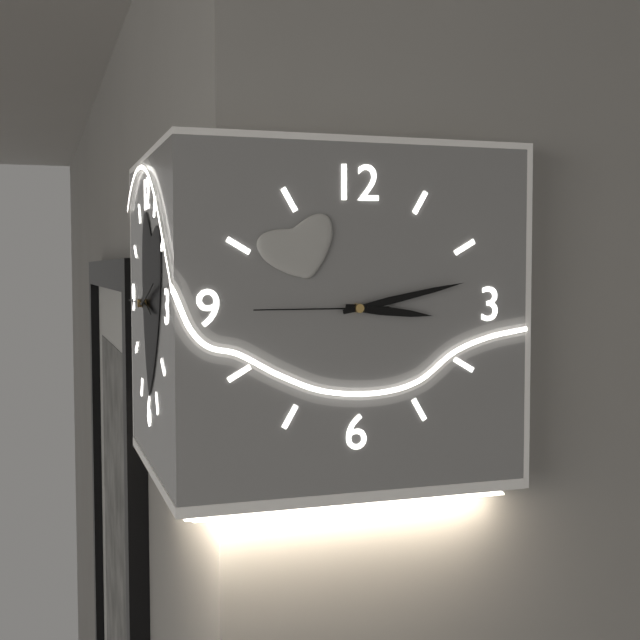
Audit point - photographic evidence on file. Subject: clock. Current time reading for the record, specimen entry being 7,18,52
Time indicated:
3,13,45
